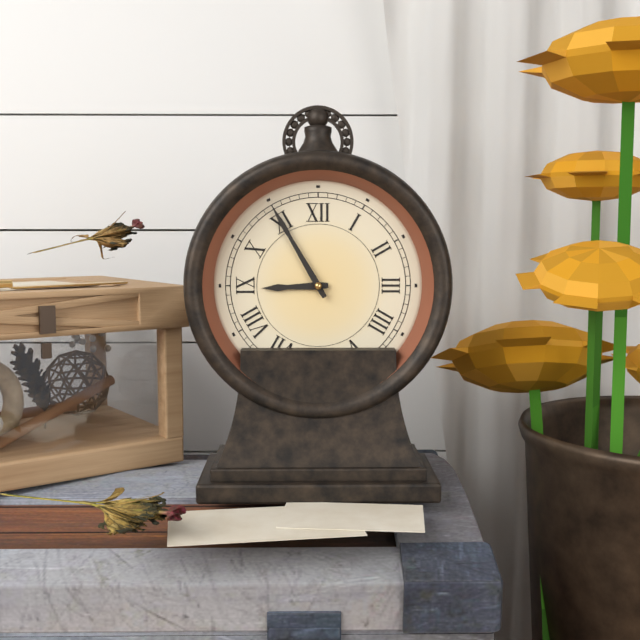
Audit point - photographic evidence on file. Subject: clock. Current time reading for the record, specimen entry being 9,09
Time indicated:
8,55
